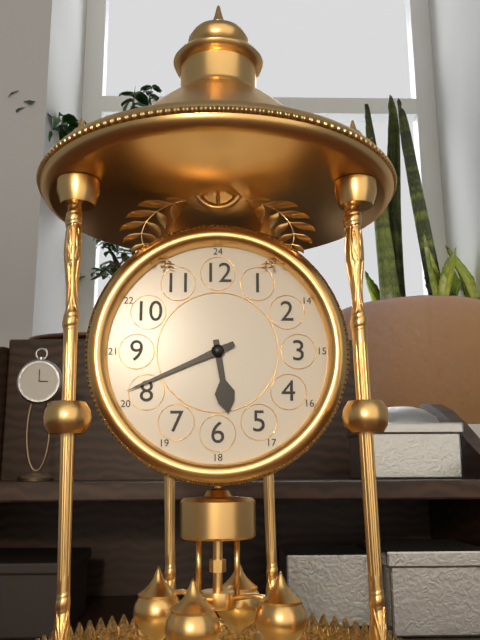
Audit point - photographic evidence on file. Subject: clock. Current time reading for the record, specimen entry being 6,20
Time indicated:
5,41
